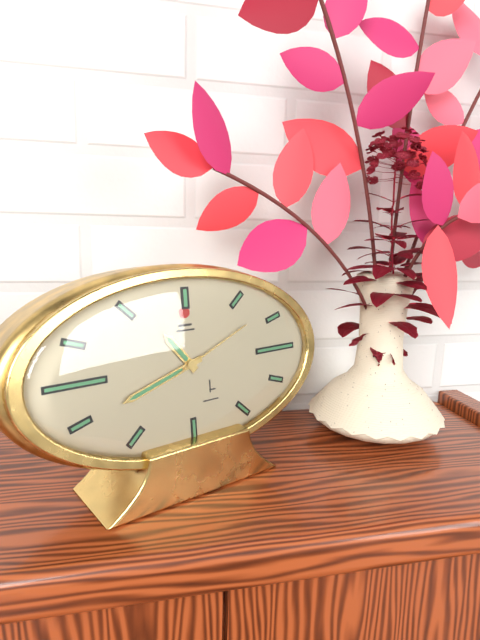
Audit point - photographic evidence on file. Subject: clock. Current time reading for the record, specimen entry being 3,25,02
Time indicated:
10,42,11
